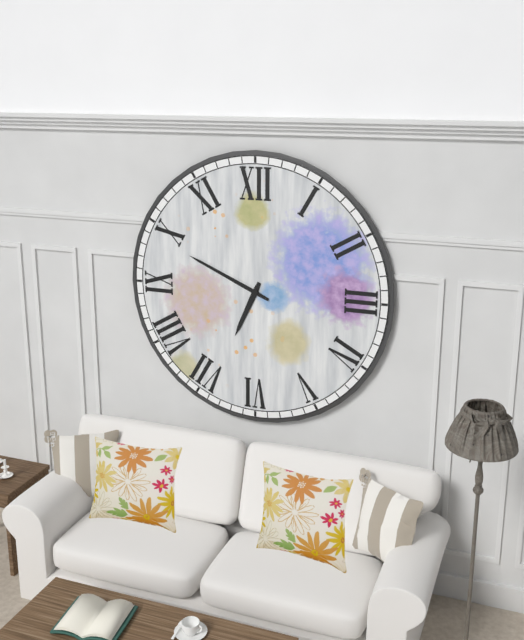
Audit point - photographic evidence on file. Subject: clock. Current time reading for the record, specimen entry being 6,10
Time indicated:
6,49
